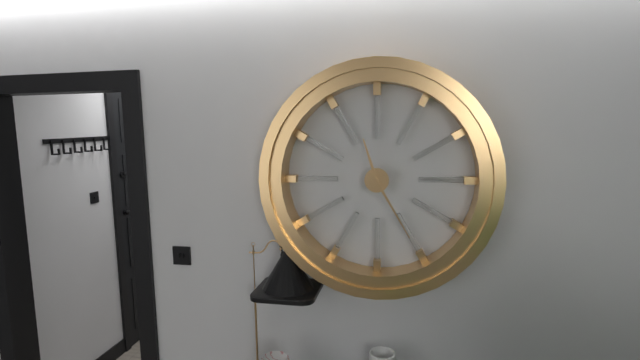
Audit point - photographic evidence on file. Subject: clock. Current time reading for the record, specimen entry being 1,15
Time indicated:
11,25
